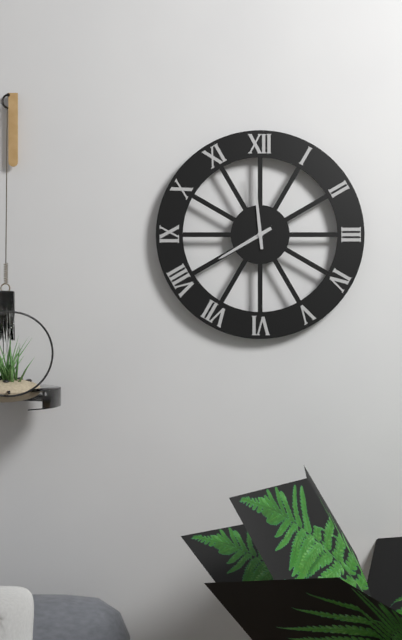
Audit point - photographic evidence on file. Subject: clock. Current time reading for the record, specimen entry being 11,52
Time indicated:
7,59
